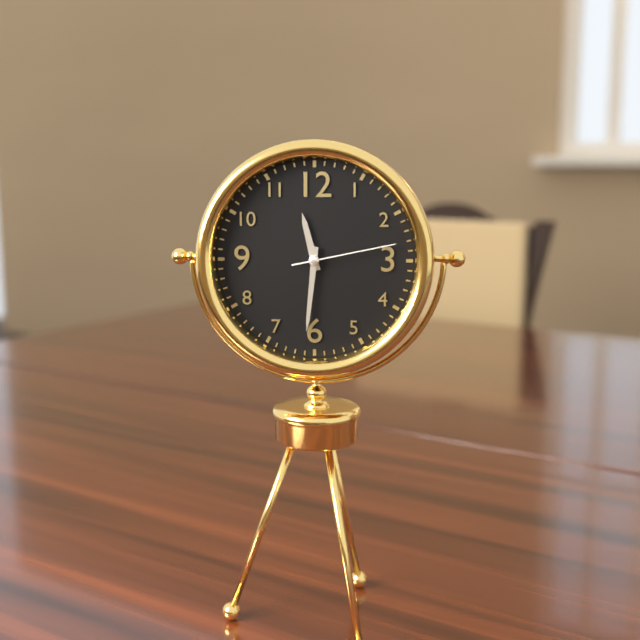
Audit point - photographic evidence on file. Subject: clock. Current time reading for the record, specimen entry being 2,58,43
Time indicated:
11,31,13
